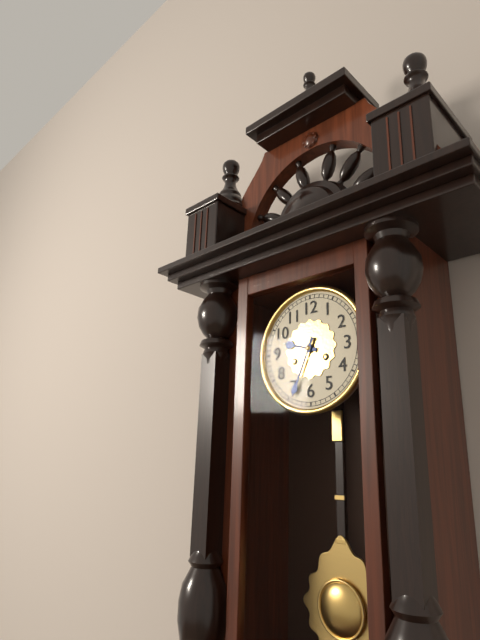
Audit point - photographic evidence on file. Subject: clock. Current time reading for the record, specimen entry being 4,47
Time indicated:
9,34
